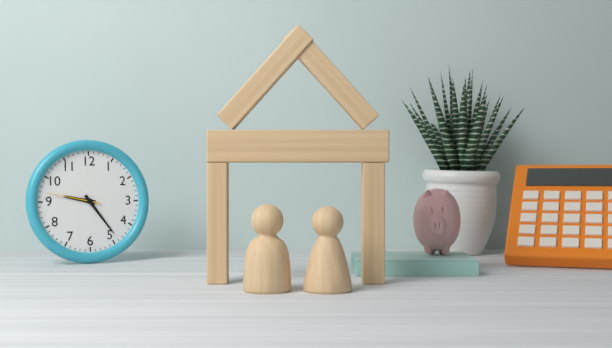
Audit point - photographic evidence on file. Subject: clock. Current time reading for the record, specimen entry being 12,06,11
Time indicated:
9,24,47
